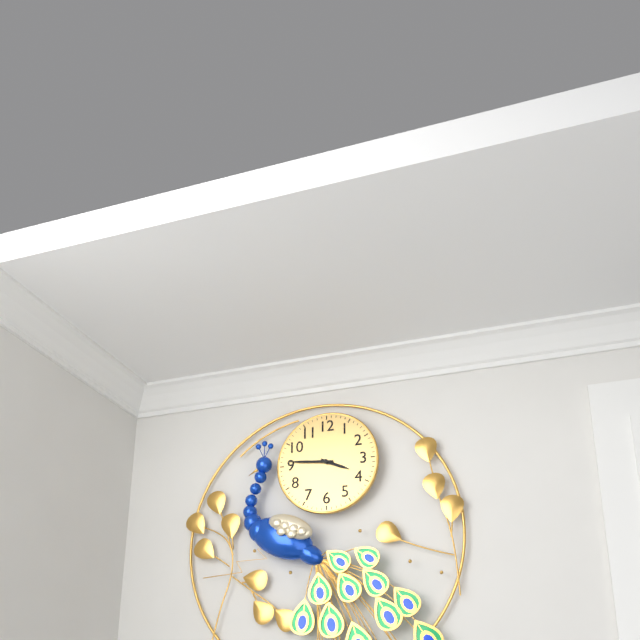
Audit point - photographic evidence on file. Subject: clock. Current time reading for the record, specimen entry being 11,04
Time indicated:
3,46
